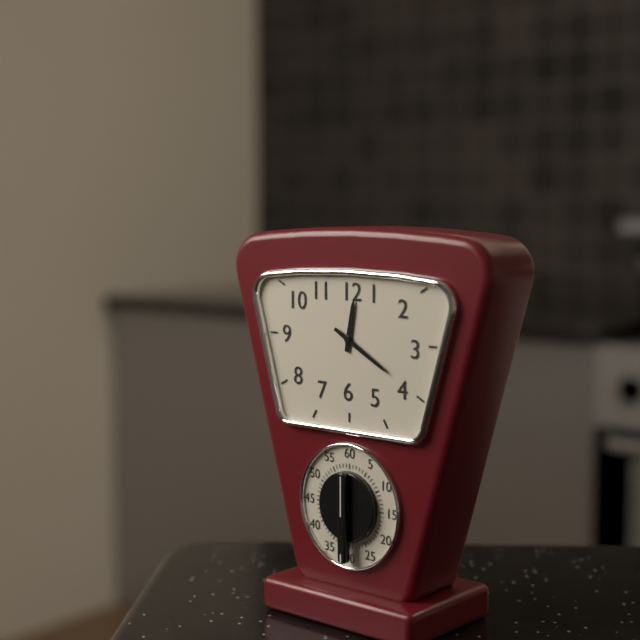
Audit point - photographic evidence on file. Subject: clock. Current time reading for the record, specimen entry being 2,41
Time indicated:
12,20
